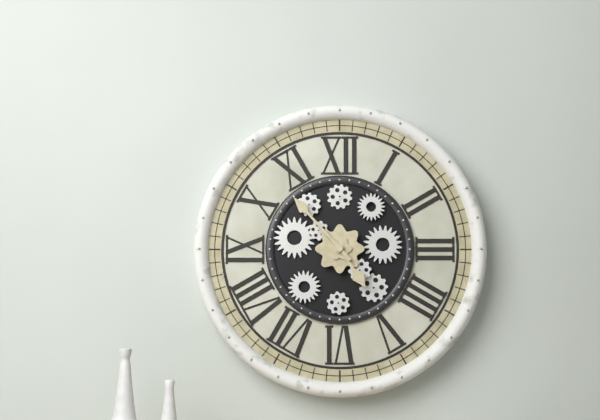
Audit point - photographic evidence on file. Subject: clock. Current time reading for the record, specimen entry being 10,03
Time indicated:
4,53
